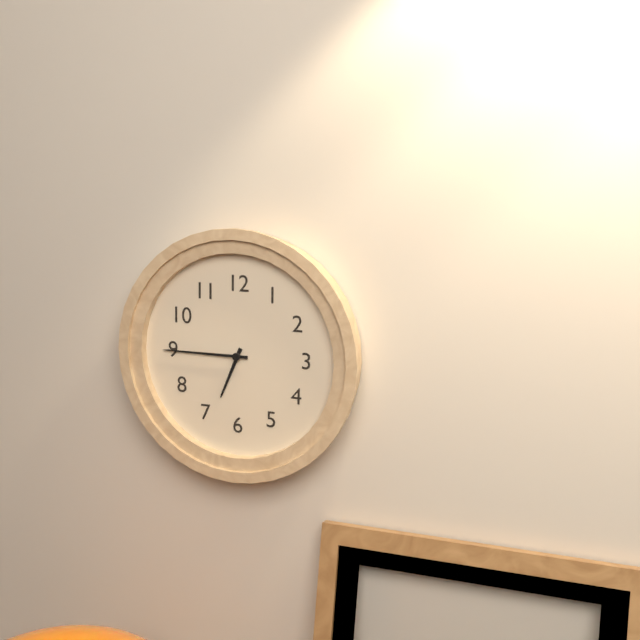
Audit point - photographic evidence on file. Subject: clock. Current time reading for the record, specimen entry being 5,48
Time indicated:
6,45
